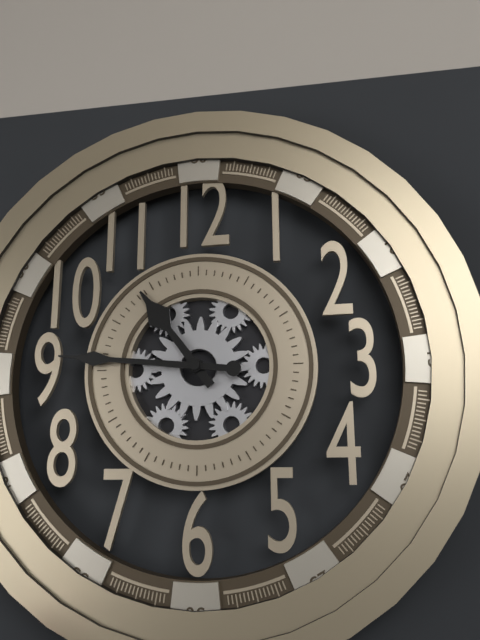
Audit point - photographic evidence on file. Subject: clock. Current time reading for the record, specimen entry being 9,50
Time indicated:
10,46
